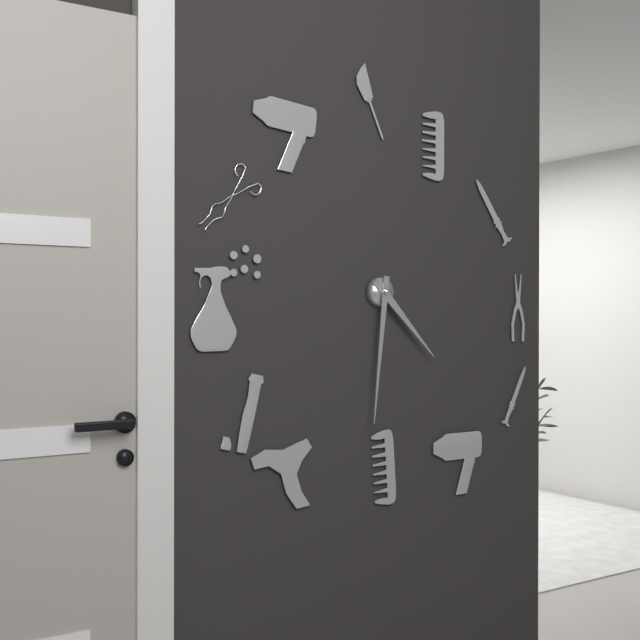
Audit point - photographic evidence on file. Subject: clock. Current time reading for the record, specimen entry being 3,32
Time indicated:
4,31
